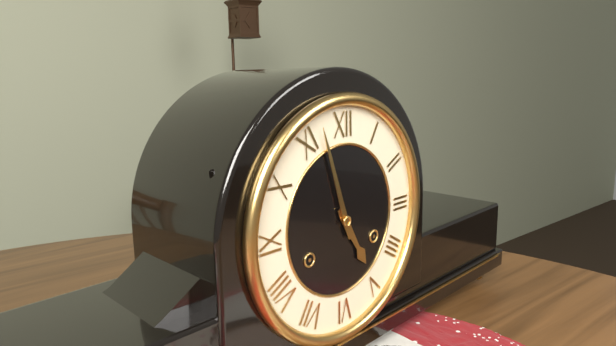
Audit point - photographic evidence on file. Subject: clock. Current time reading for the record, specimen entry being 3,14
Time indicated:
4,57
